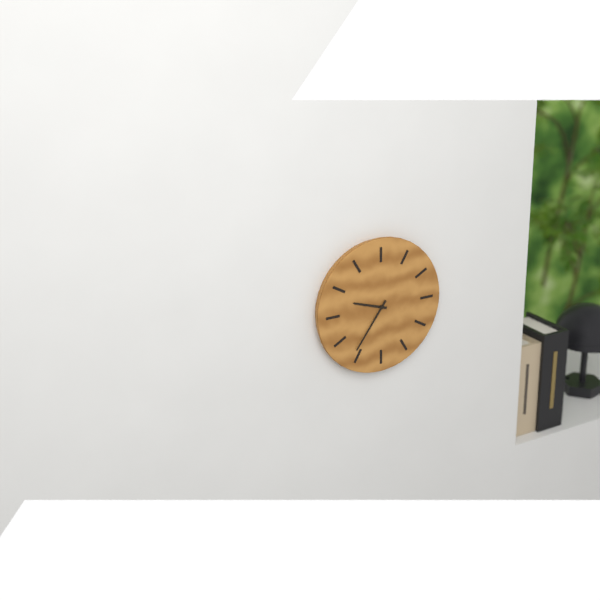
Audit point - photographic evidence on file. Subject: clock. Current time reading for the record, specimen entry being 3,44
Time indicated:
9,36
